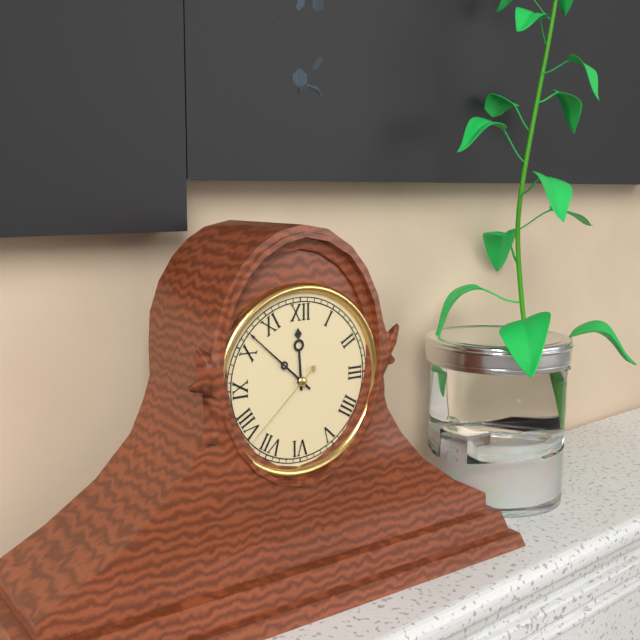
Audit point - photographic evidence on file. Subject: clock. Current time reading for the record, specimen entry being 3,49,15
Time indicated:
11,52,38
